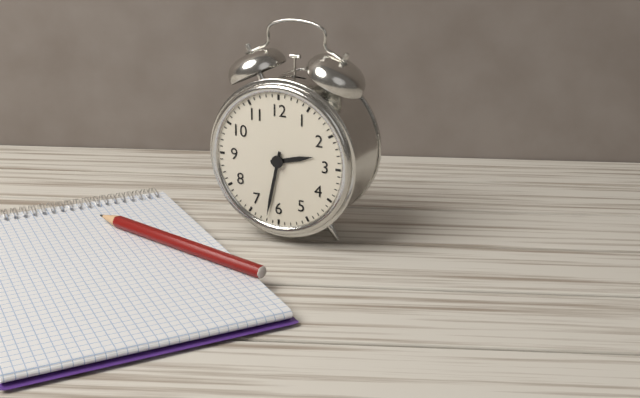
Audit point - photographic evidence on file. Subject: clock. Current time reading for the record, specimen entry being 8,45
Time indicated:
2,32
